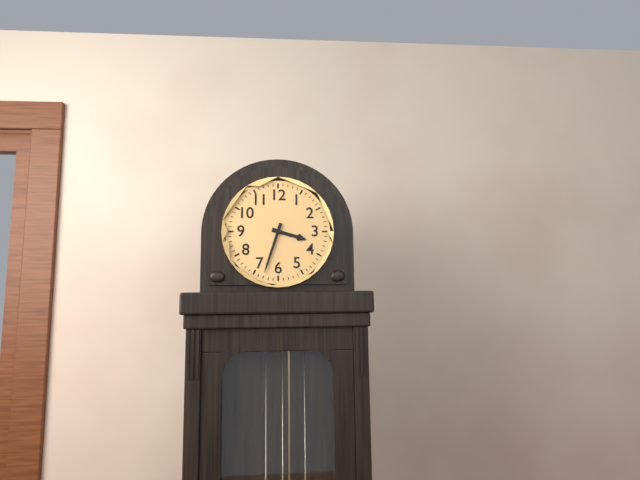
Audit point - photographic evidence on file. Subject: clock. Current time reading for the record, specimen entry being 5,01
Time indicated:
3,33
